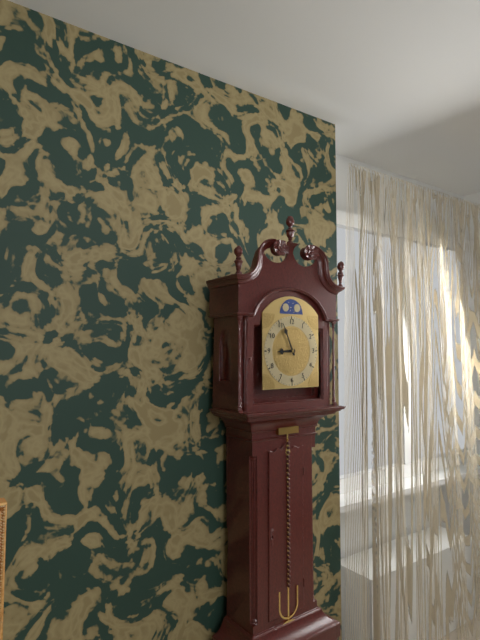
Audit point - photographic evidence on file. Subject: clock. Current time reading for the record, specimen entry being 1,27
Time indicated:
8,56
